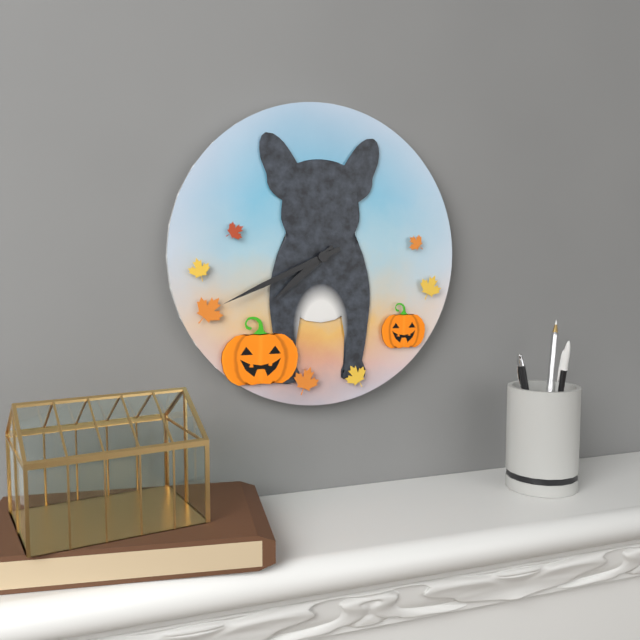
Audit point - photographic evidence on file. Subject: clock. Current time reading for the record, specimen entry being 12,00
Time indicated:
7,41
